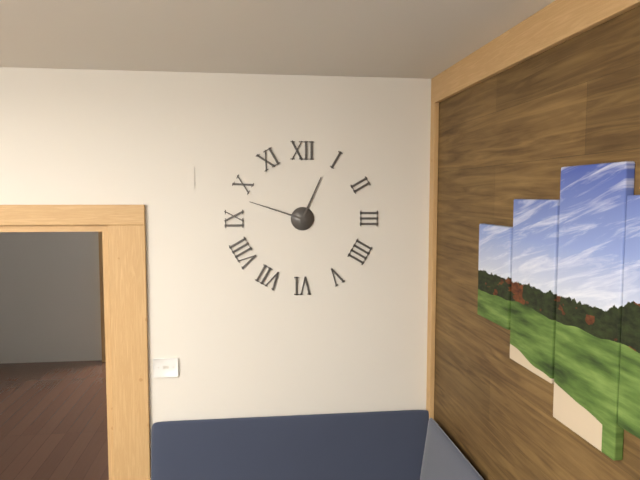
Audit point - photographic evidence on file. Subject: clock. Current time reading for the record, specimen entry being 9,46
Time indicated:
12,48
